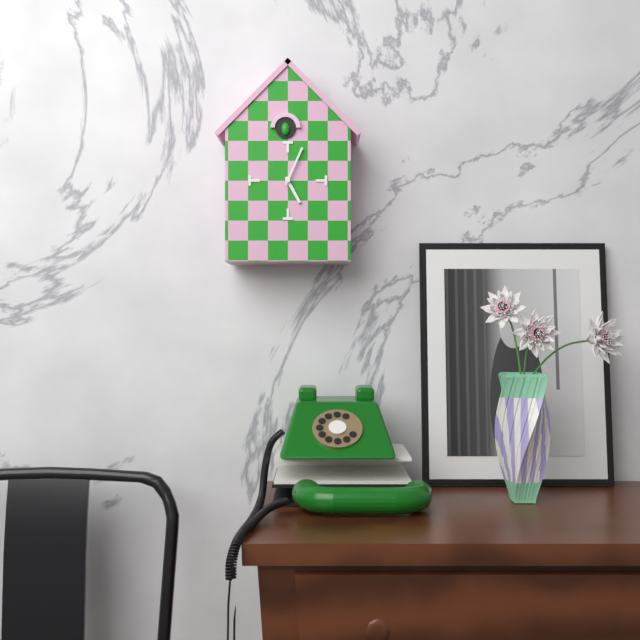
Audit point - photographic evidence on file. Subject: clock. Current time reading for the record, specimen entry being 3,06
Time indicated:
5,04
